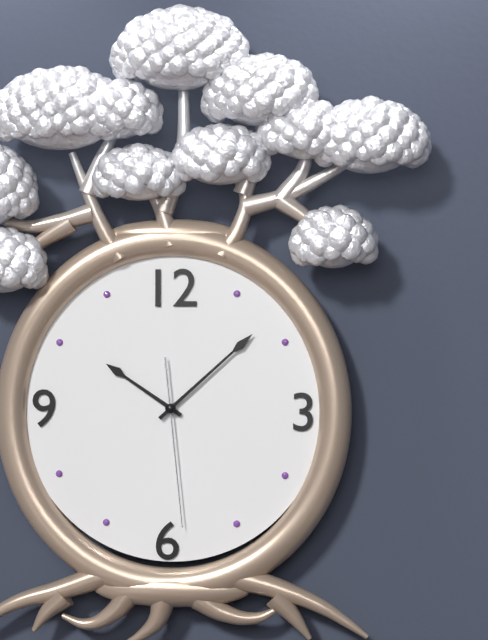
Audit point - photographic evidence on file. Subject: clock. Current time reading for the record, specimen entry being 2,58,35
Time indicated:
10,08,29
